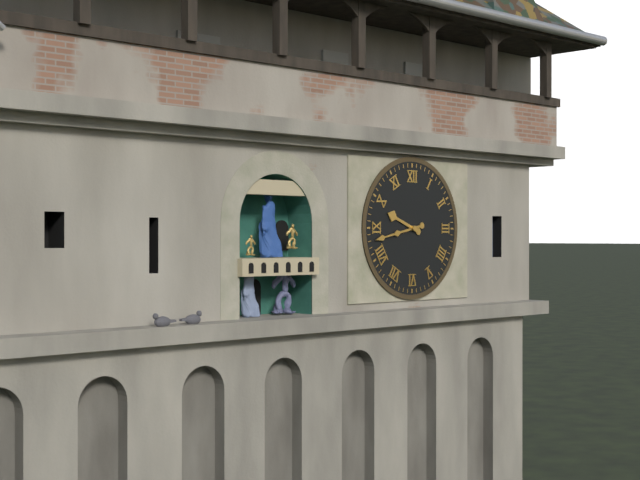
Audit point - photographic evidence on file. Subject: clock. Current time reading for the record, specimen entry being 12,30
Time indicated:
9,43
